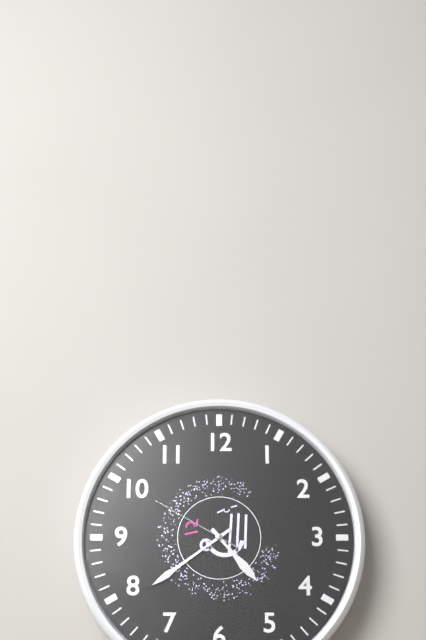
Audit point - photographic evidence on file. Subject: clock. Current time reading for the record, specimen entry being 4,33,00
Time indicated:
4,39,50
